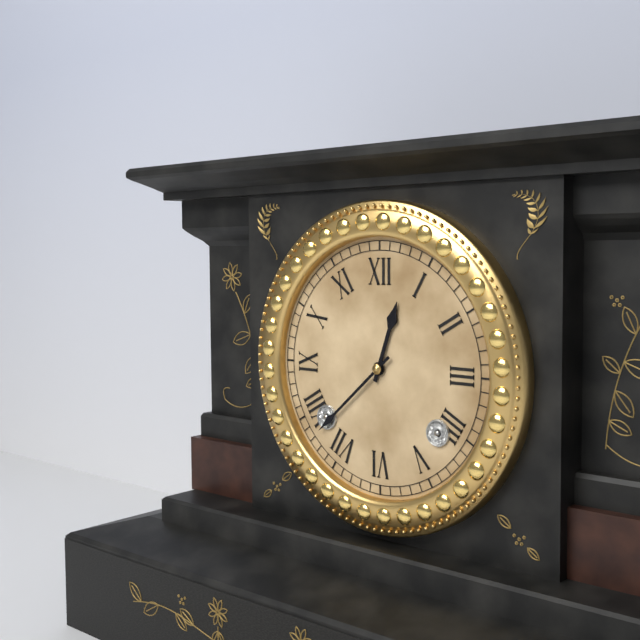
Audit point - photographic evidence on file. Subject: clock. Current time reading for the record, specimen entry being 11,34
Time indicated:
12,38
